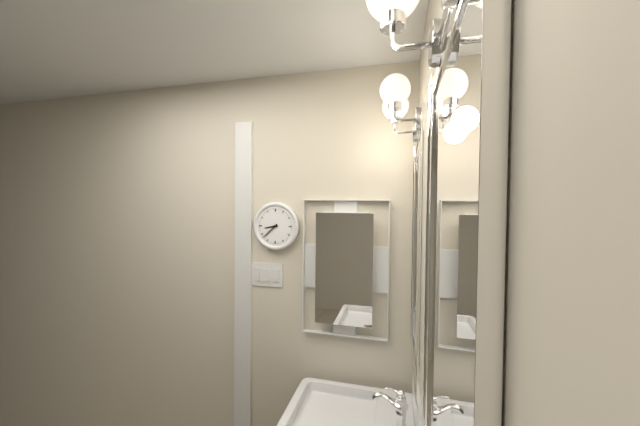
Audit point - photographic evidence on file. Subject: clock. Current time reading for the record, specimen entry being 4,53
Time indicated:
8,38
